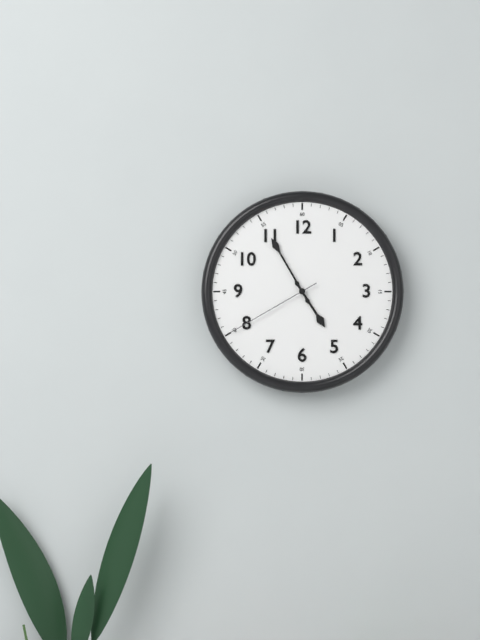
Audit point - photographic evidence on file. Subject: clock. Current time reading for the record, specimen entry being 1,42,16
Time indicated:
4,55,40
